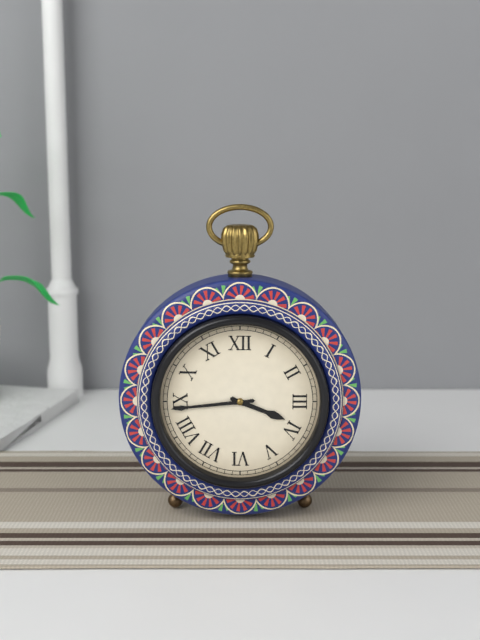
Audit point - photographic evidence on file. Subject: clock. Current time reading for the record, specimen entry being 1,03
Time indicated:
3,44
